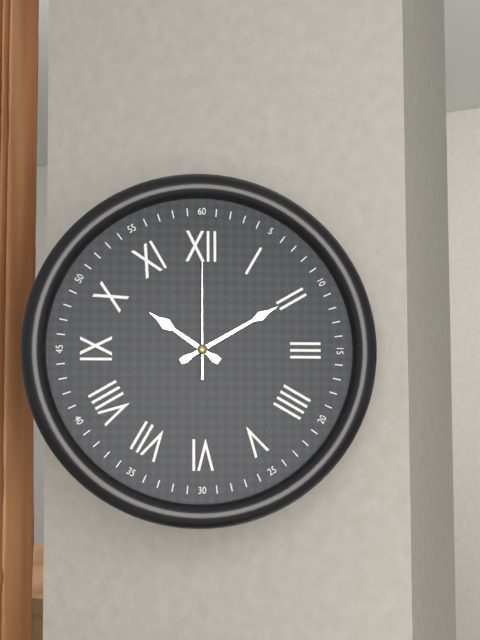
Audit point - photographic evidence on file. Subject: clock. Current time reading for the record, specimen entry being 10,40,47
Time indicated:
10,10,00
